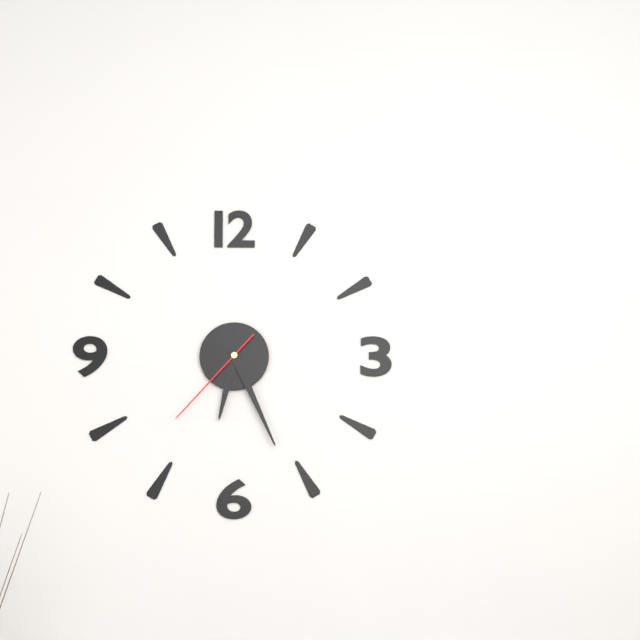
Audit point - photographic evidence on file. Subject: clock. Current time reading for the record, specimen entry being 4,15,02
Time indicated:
6,26,37
